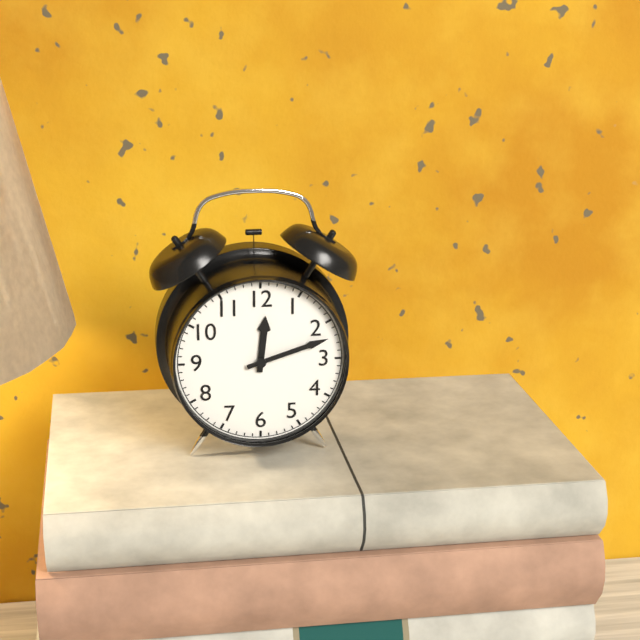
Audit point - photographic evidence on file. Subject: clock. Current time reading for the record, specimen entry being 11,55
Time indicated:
12,12
